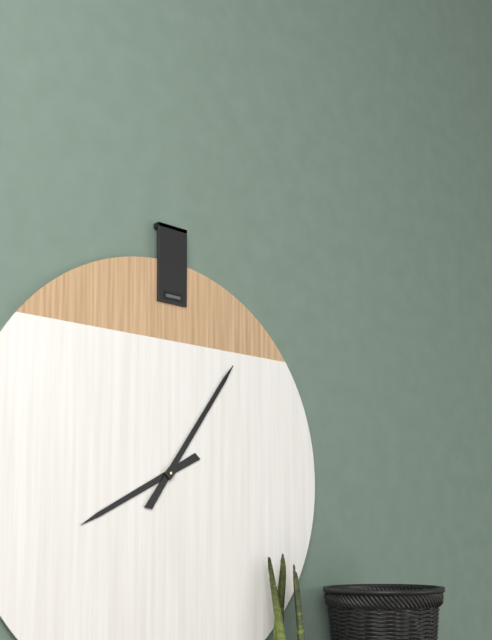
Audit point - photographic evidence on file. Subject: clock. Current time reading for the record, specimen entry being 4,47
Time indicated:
8,06
